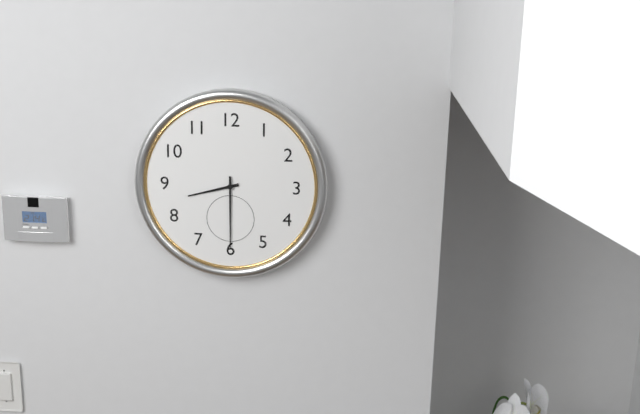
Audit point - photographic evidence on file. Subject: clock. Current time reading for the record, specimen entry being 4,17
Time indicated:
8,30
